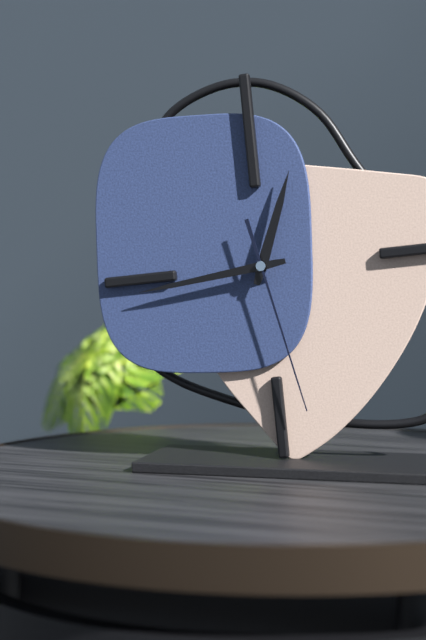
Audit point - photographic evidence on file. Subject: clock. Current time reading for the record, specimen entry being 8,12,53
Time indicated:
12,44,28
